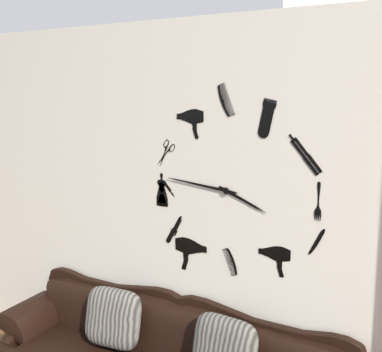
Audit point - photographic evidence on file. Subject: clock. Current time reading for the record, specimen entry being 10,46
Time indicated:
3,46
